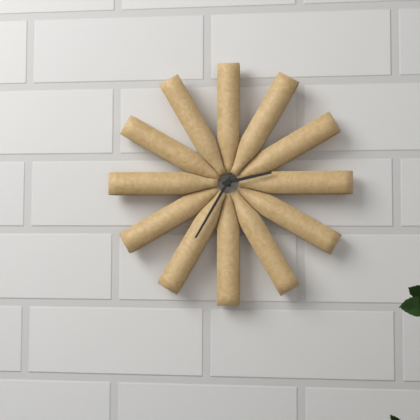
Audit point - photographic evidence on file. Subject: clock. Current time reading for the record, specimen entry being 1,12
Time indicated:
2,35
